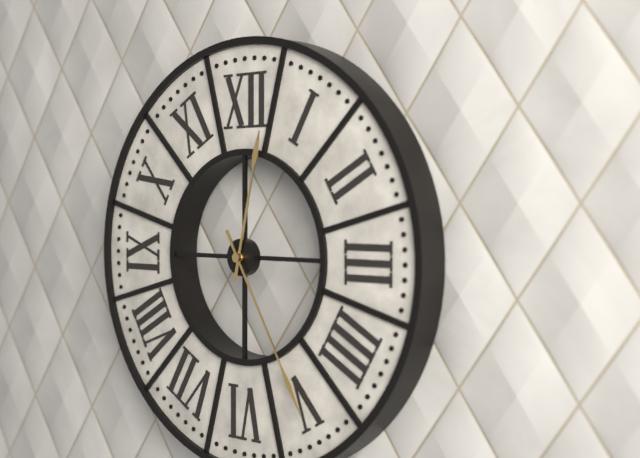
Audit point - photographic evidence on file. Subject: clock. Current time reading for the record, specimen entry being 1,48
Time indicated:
12,25
